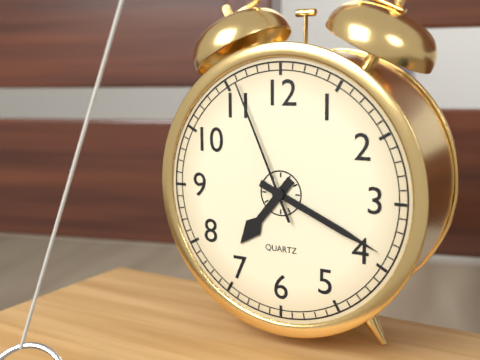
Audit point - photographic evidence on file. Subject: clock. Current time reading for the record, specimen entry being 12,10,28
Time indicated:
7,19,56
